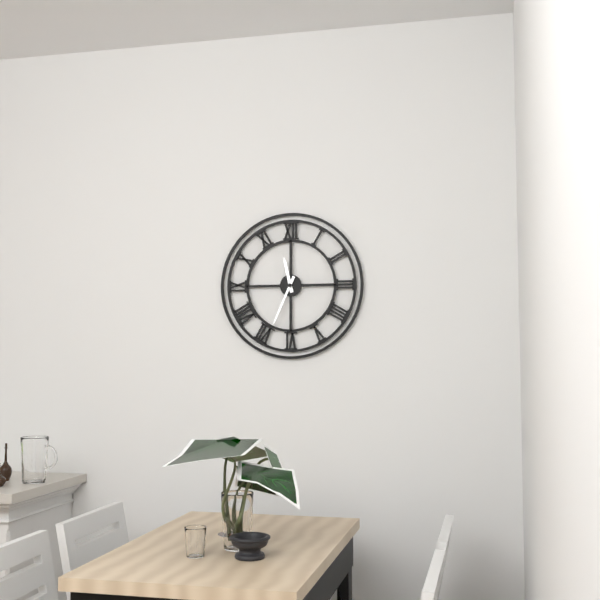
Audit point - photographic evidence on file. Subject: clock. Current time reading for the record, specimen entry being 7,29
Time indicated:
11,34
